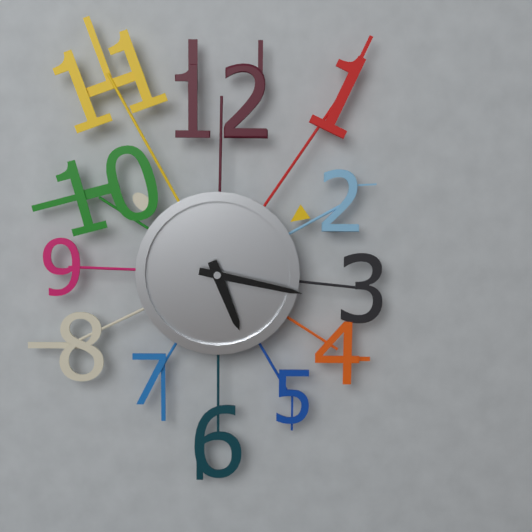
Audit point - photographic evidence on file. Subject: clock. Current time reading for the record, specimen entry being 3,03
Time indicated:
5,17
